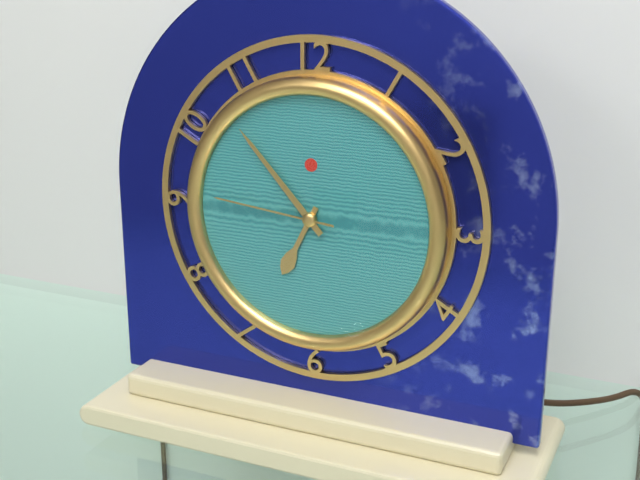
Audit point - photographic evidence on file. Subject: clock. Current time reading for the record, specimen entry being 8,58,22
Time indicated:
6,53,46
